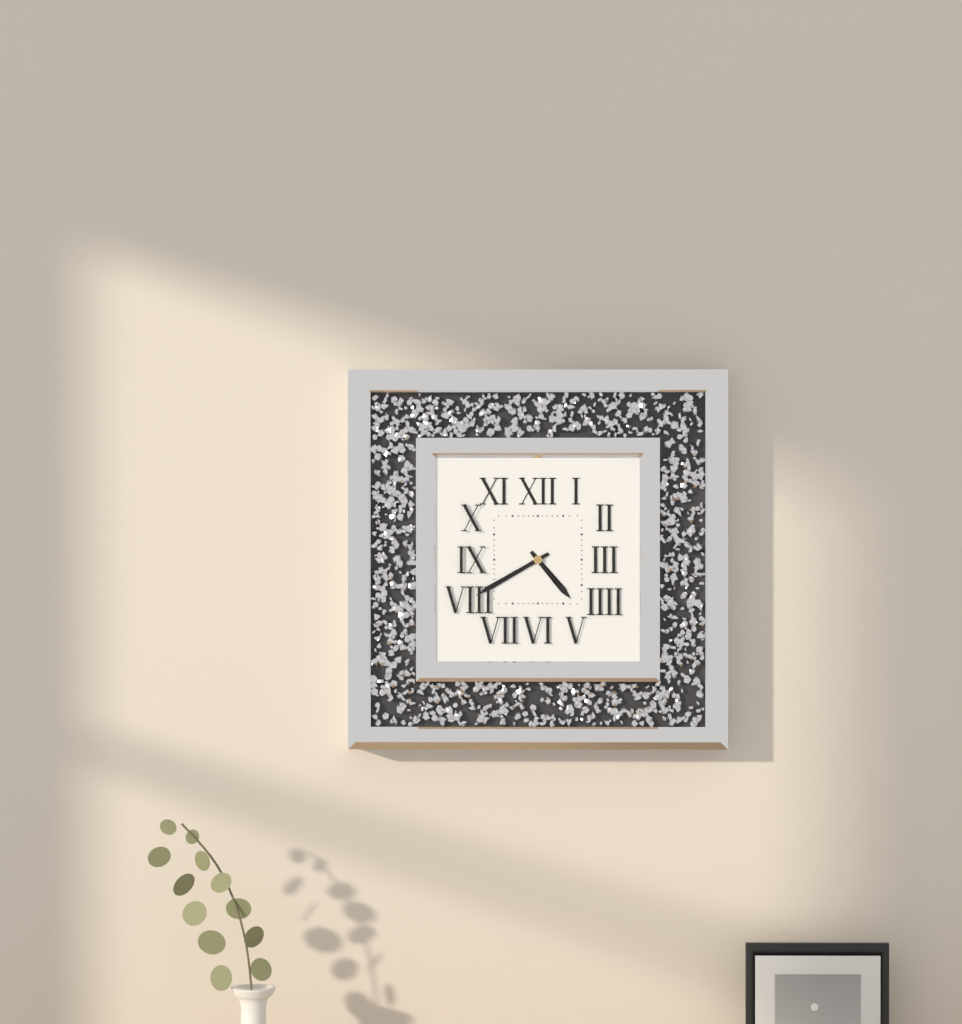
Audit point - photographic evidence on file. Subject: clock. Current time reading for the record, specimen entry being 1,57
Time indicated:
4,40
